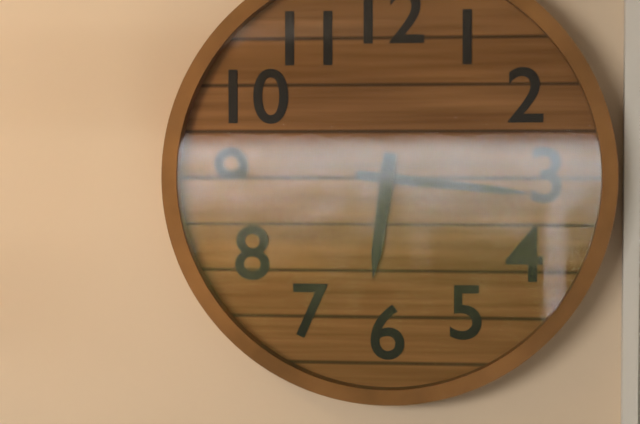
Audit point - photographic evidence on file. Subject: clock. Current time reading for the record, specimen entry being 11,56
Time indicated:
6,16
